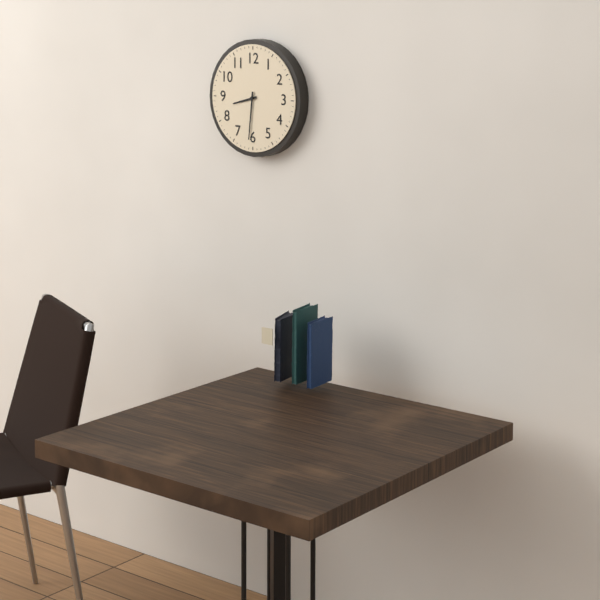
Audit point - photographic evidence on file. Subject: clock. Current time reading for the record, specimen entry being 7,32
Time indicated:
8,31
